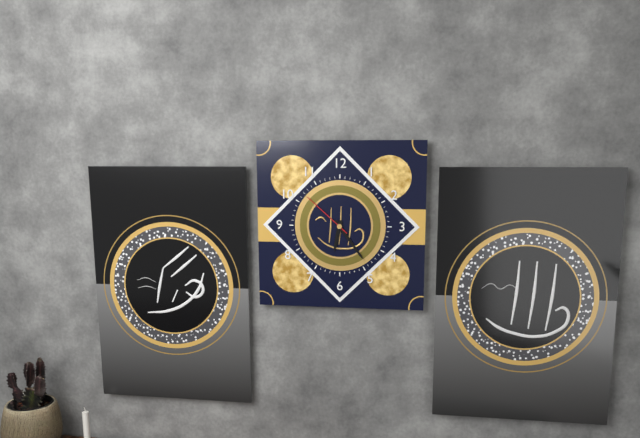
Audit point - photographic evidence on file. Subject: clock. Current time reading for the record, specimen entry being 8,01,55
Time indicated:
6,24,52
